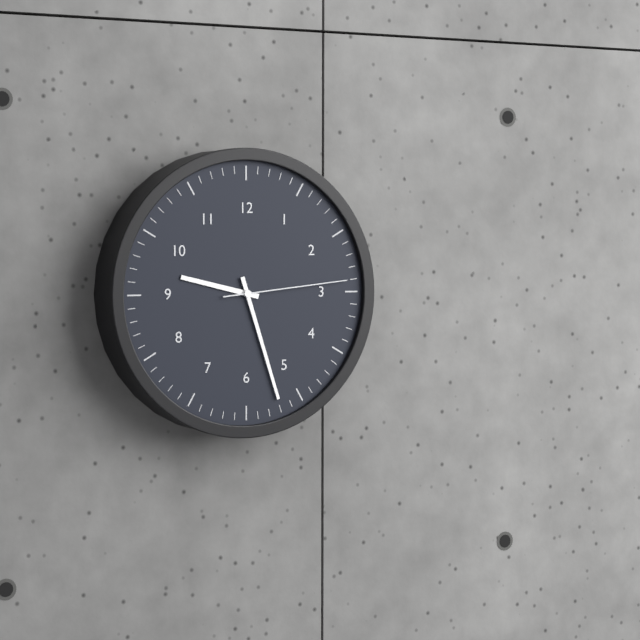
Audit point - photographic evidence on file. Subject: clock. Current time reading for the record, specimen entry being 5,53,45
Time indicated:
9,27,14
